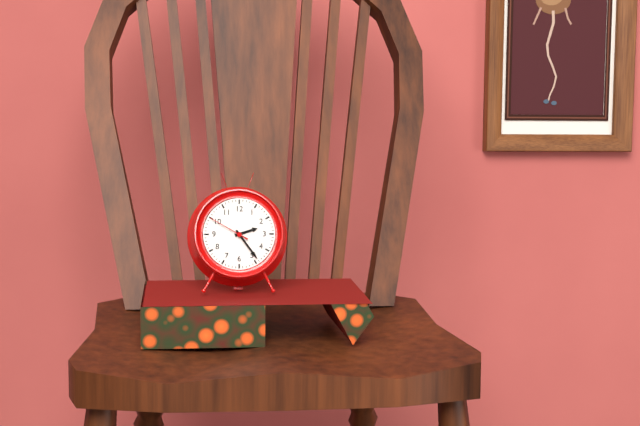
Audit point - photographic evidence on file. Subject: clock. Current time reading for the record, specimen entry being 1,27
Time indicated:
2,24
